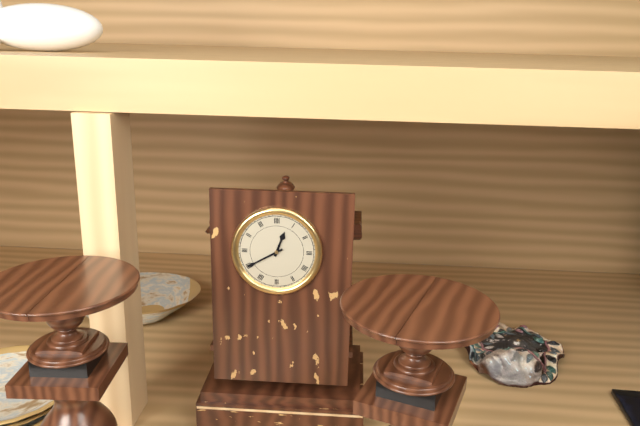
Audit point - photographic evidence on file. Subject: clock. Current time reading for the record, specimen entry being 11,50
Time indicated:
12,40
